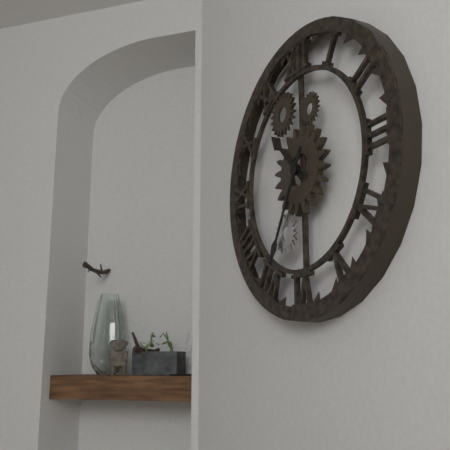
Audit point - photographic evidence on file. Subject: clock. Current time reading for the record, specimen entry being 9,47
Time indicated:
10,35
